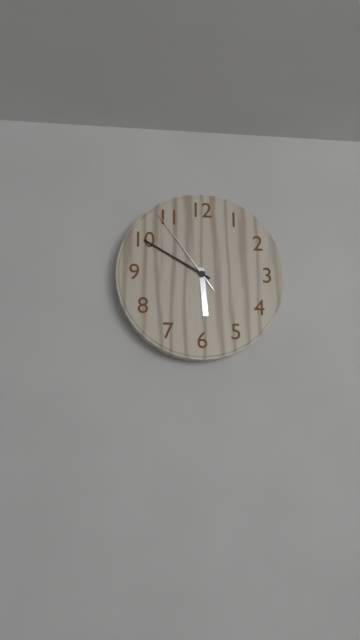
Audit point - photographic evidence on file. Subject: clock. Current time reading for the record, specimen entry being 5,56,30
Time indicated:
5,50,54
